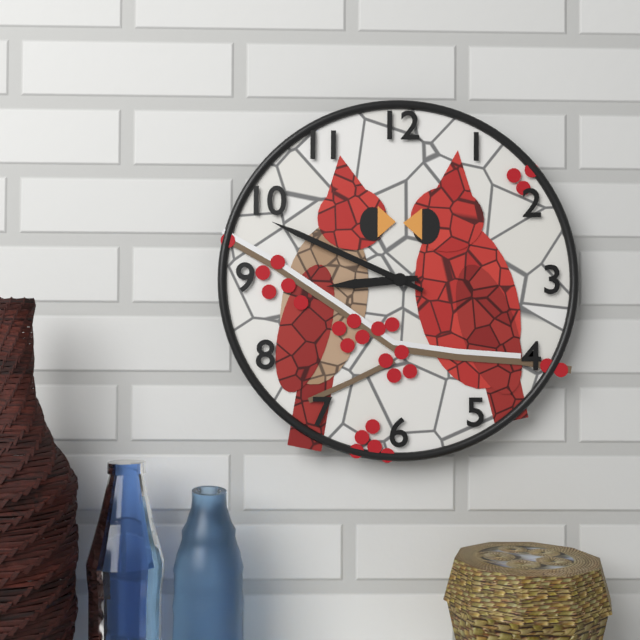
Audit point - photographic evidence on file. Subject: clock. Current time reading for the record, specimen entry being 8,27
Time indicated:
8,49
